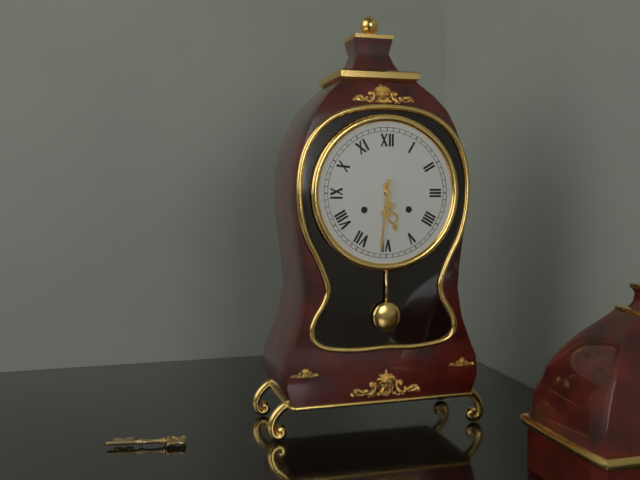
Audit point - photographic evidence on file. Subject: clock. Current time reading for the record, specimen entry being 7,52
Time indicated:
5,31
